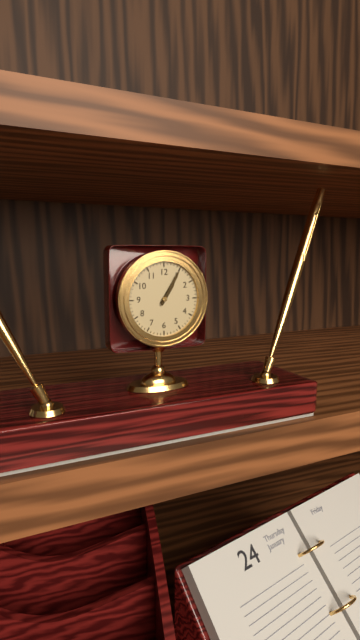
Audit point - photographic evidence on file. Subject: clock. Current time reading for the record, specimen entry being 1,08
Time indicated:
1,05
